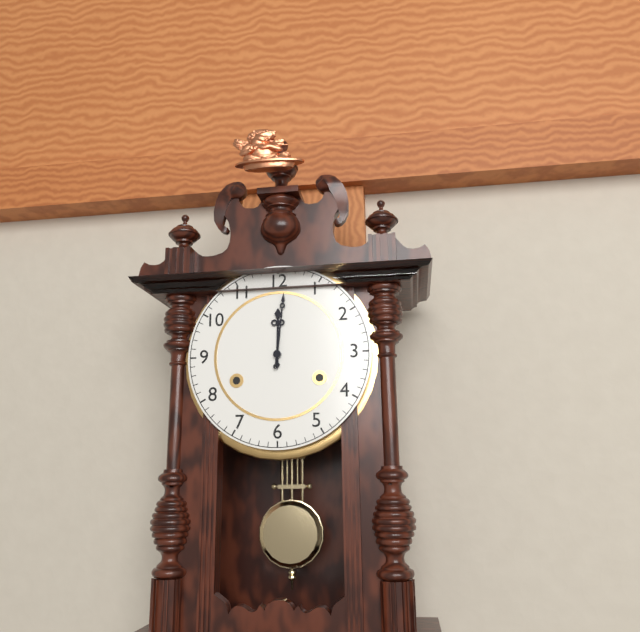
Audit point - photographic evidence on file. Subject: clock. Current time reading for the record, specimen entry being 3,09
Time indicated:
12,01
